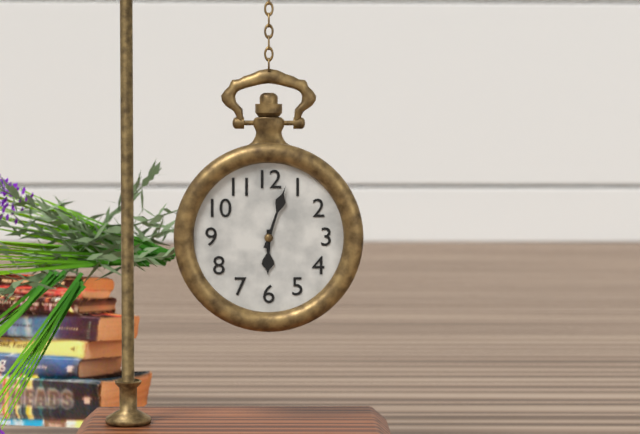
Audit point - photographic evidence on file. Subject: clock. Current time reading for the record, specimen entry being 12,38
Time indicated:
6,03
